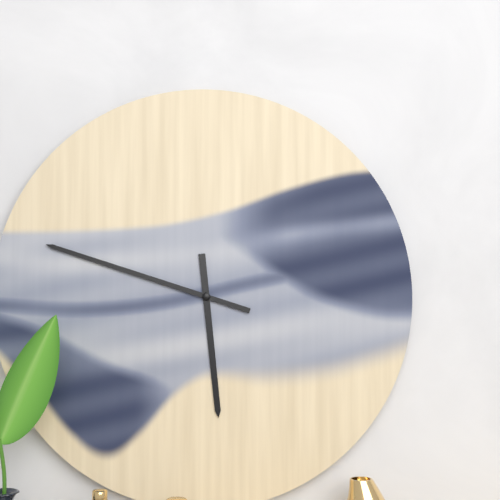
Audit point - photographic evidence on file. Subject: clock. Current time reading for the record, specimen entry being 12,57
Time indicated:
5,48
